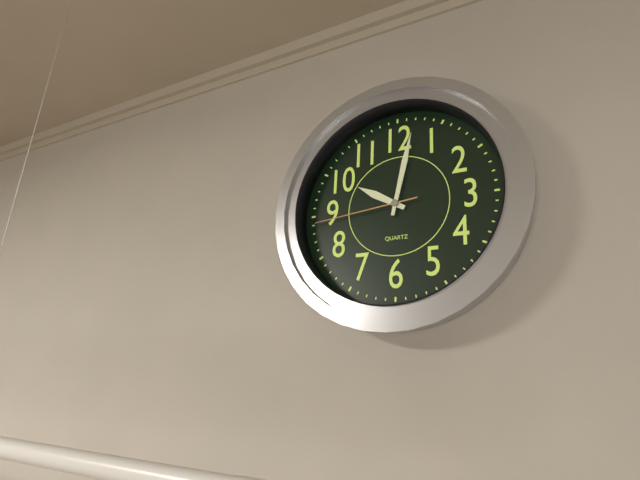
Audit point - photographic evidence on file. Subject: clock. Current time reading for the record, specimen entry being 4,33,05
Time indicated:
10,02,44
